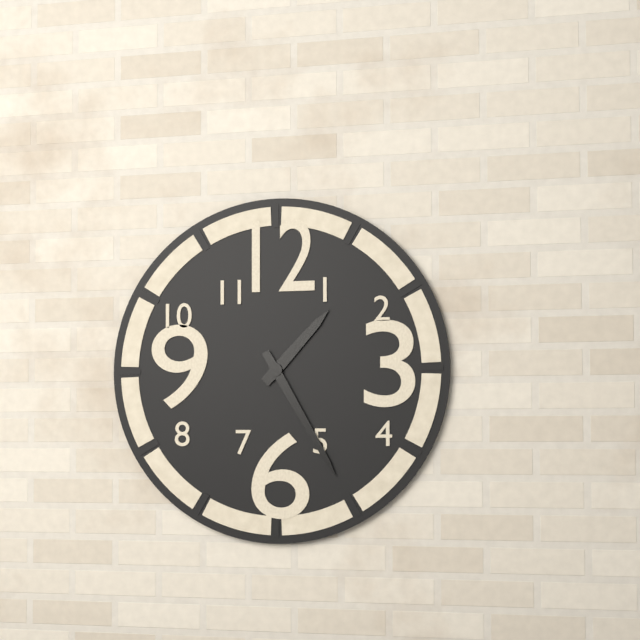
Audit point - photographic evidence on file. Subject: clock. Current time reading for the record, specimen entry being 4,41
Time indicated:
1,25
